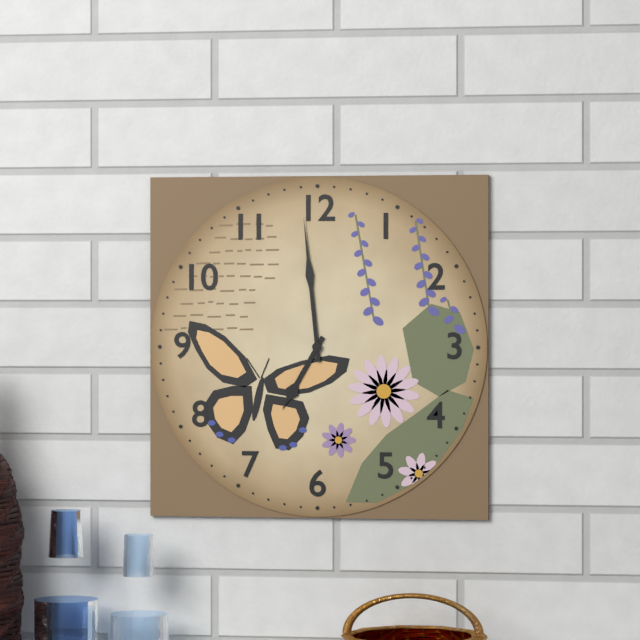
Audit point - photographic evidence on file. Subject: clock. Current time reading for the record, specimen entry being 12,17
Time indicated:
6,59
